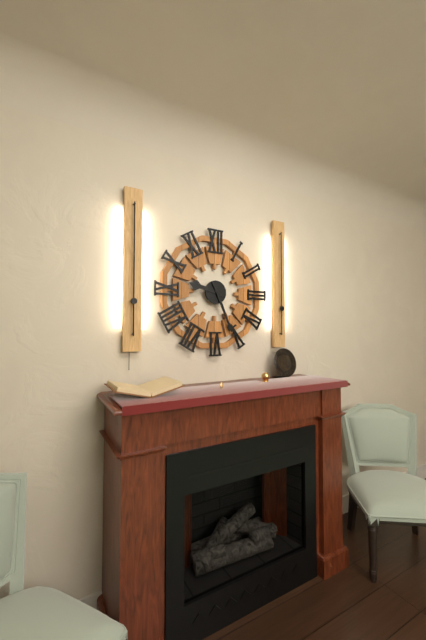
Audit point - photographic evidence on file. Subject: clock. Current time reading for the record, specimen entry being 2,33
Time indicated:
9,26
